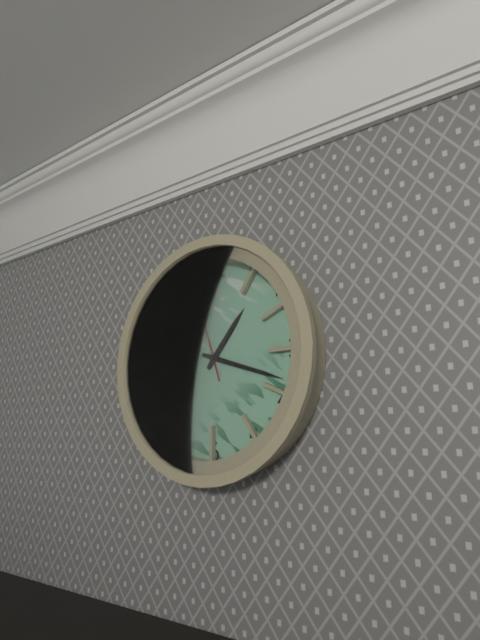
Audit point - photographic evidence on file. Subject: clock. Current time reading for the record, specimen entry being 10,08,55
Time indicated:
1,18,57
